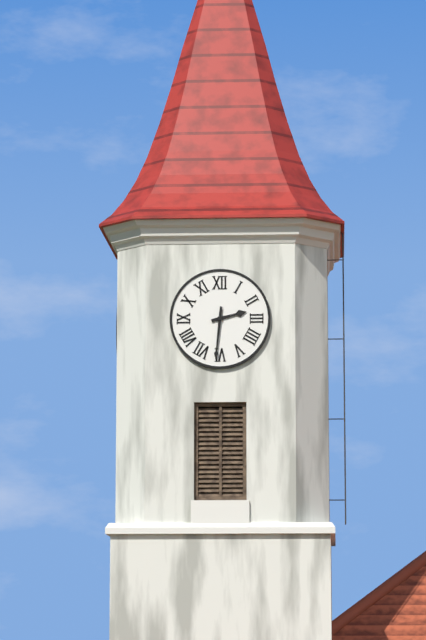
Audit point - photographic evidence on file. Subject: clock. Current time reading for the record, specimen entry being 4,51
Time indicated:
2,31
